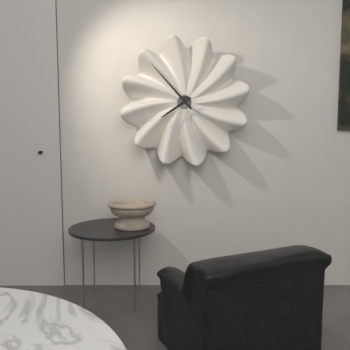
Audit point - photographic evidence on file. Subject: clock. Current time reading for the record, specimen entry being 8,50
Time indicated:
7,53
